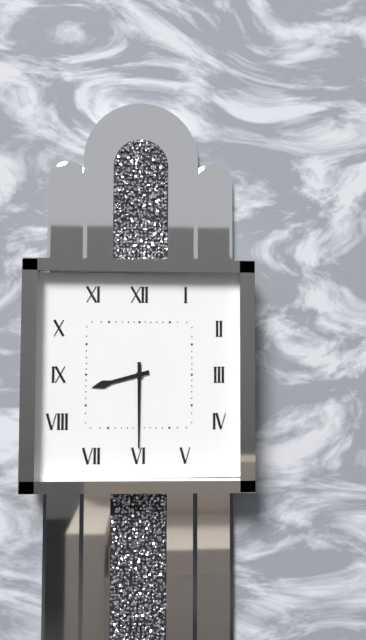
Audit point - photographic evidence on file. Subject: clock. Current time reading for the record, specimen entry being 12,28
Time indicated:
8,30
